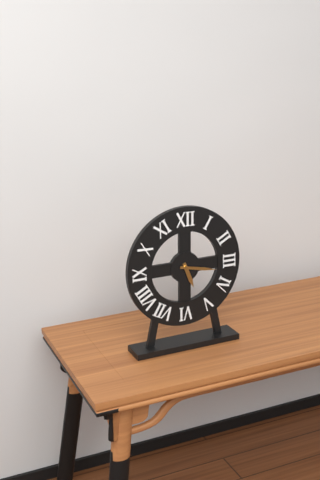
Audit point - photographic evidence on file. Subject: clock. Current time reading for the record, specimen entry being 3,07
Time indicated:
5,17
